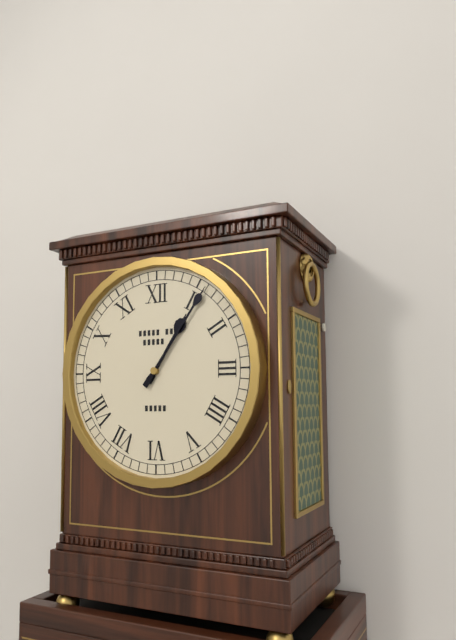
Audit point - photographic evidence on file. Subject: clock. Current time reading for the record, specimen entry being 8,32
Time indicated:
1,06
